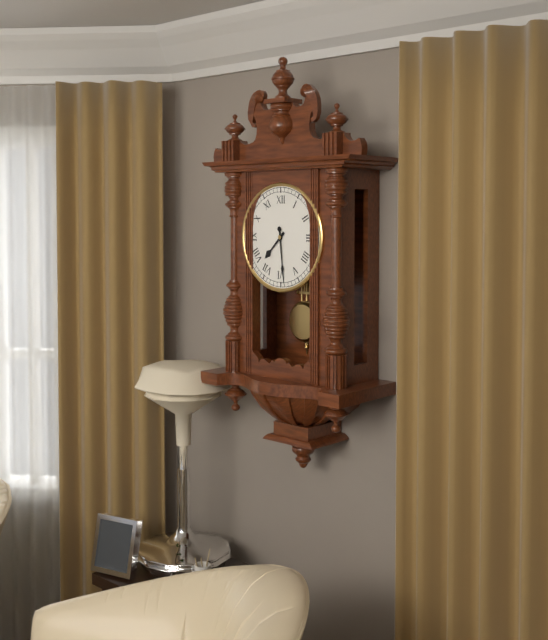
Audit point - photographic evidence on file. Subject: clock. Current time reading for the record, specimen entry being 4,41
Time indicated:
7,29
